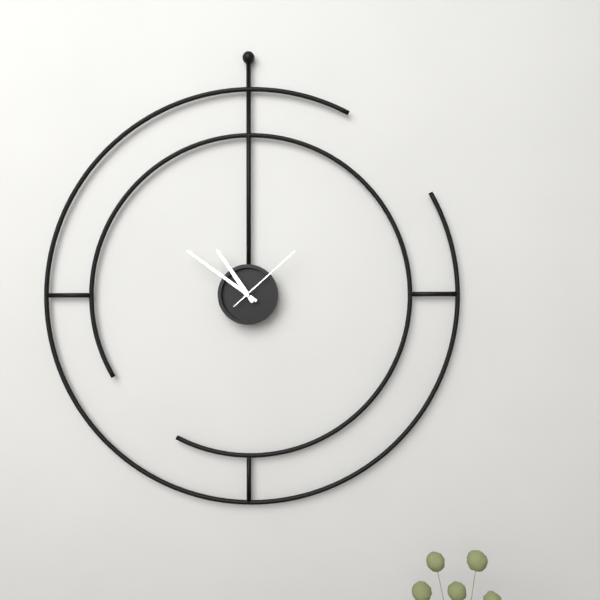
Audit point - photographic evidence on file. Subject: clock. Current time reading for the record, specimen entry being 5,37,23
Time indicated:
10,51,08
